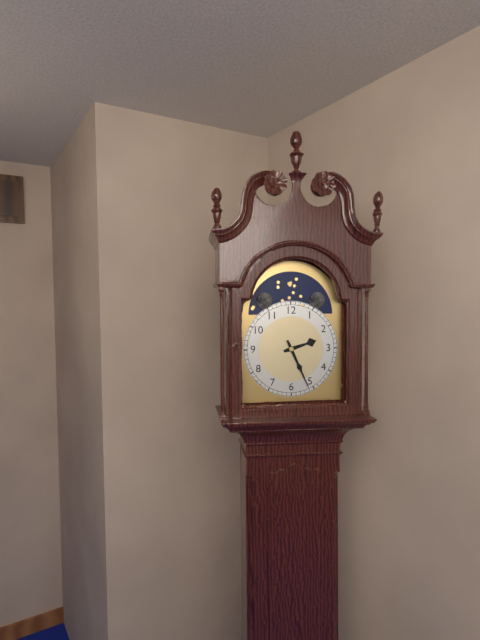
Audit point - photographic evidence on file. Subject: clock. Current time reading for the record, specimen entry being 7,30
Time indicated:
2,26
